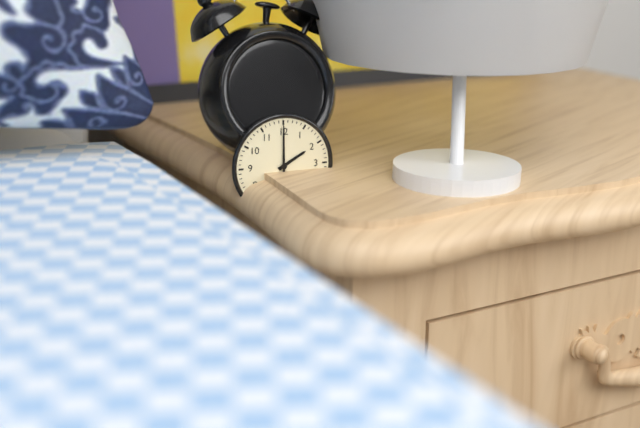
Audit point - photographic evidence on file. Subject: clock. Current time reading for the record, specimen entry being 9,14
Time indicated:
2,00
